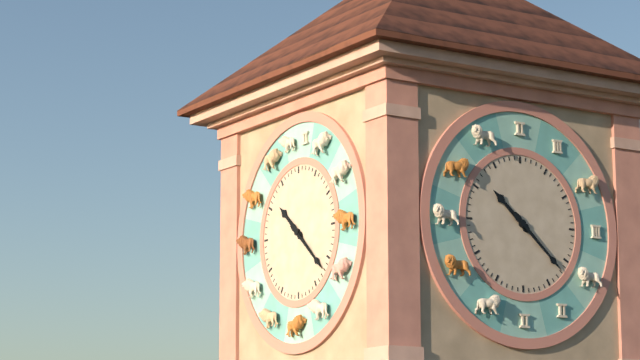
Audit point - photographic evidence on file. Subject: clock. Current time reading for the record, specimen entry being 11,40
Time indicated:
10,22
